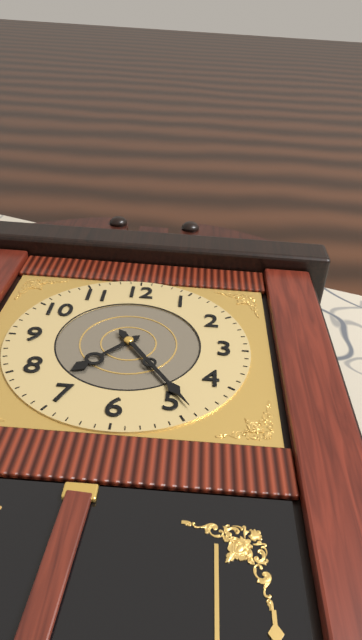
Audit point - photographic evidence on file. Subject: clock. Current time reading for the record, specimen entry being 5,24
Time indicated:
7,24
